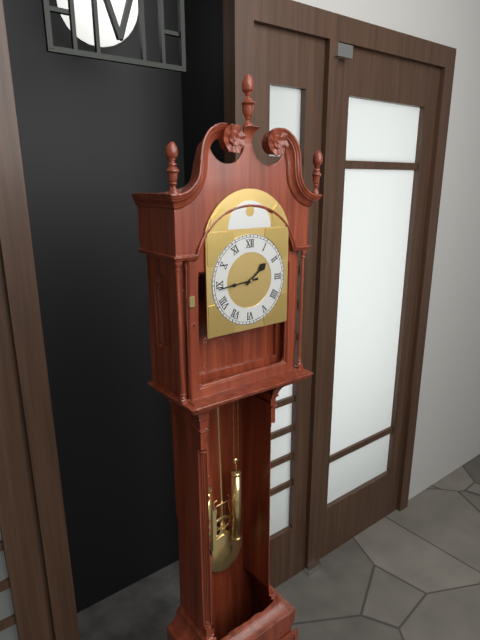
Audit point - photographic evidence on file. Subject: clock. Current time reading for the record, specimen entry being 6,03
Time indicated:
1,44
